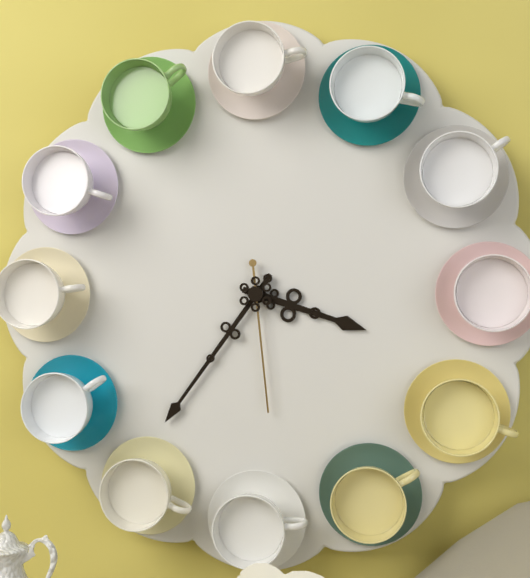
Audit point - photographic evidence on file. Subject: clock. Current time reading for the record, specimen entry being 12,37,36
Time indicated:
3,36,29
